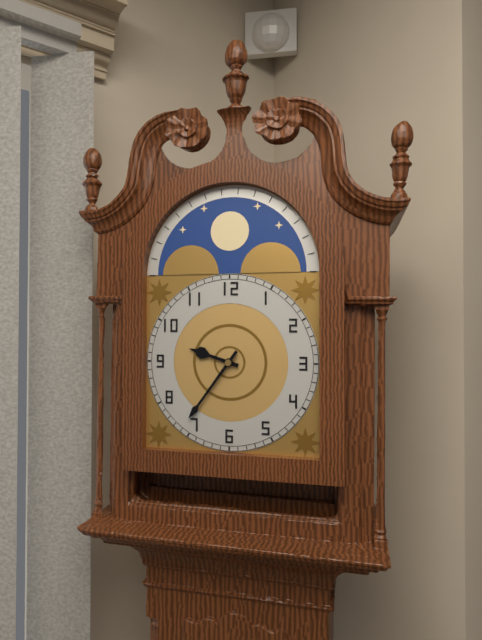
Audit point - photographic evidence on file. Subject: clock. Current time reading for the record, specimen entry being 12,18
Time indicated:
9,36
